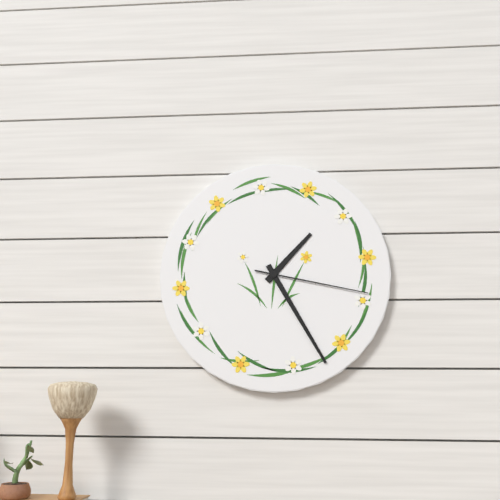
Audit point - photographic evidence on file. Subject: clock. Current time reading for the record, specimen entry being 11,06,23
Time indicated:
1,25,17
